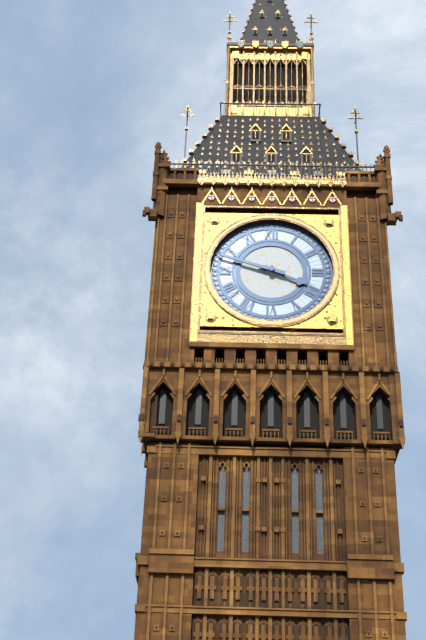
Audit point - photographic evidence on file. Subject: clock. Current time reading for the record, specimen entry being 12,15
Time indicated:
3,48
